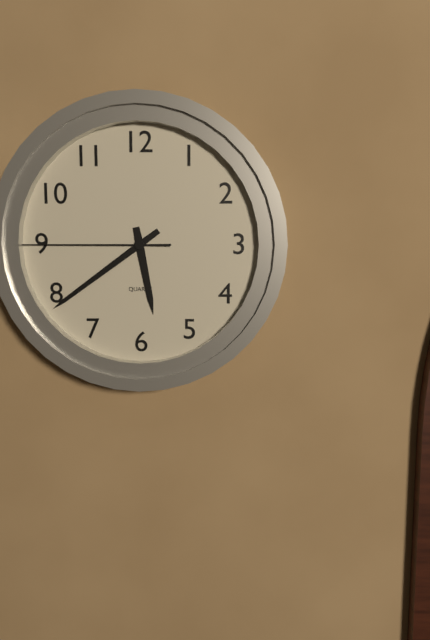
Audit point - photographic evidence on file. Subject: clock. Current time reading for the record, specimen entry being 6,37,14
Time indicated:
5,39,45
